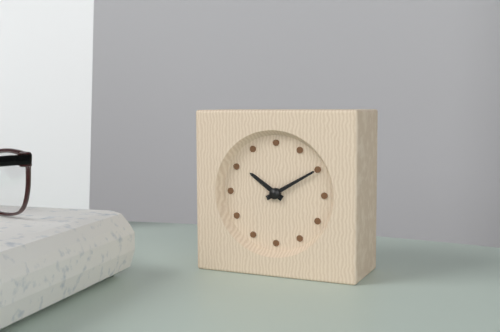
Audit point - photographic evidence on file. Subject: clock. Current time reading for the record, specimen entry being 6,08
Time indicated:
10,10
